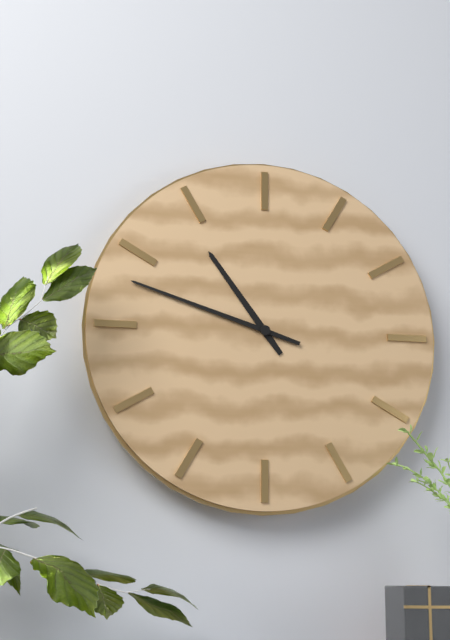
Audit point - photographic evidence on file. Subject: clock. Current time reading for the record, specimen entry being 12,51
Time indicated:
10,48
